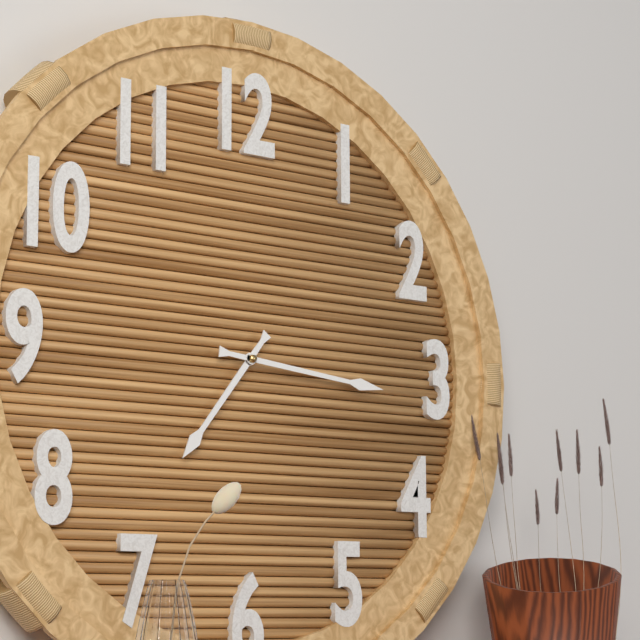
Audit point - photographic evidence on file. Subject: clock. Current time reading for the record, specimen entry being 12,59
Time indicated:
7,16
